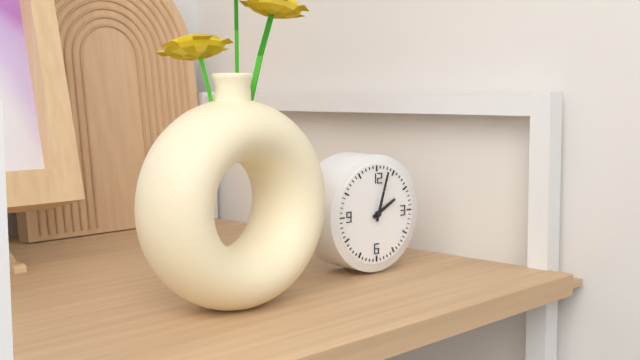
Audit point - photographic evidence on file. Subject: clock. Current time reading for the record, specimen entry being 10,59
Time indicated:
2,03
